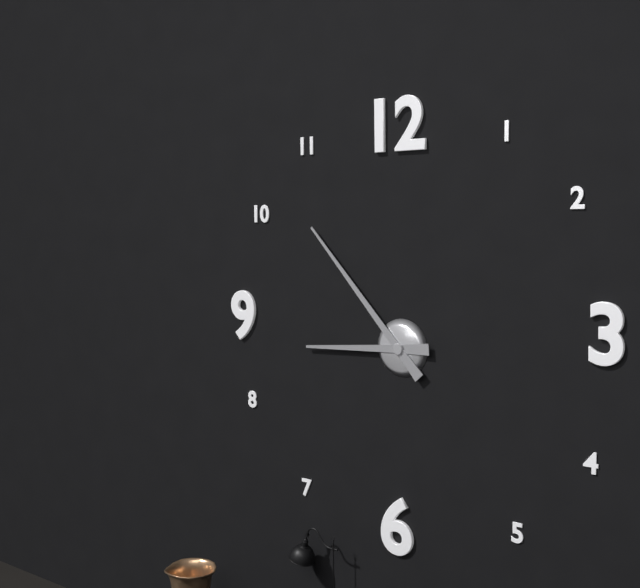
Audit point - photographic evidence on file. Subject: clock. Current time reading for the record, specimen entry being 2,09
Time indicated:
8,53
